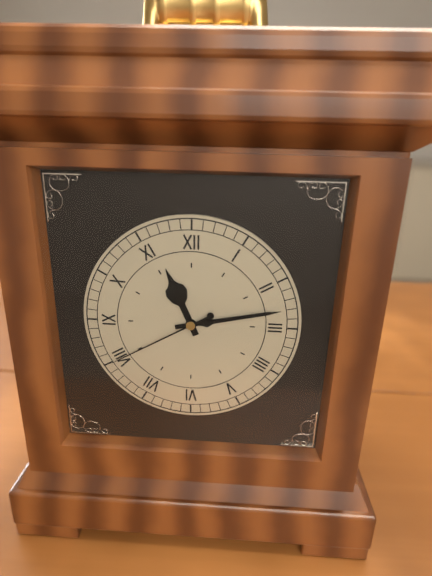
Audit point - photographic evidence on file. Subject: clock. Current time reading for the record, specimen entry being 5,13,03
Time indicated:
11,13,40
